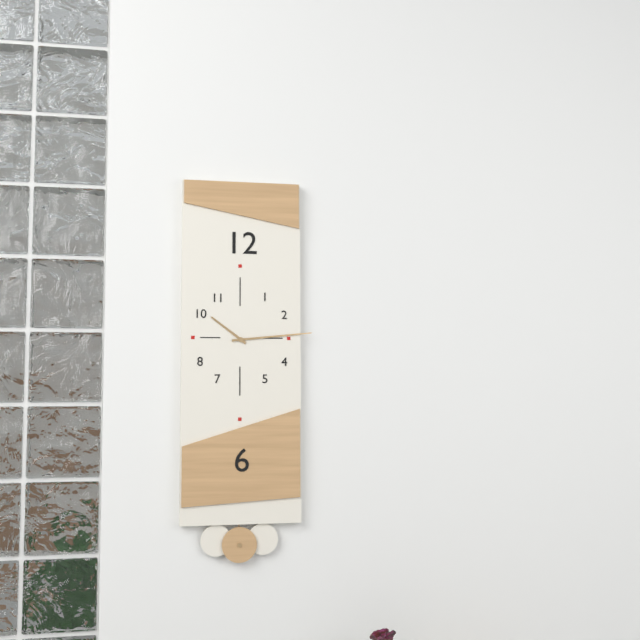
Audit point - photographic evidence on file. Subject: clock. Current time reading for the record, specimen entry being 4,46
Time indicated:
10,14
